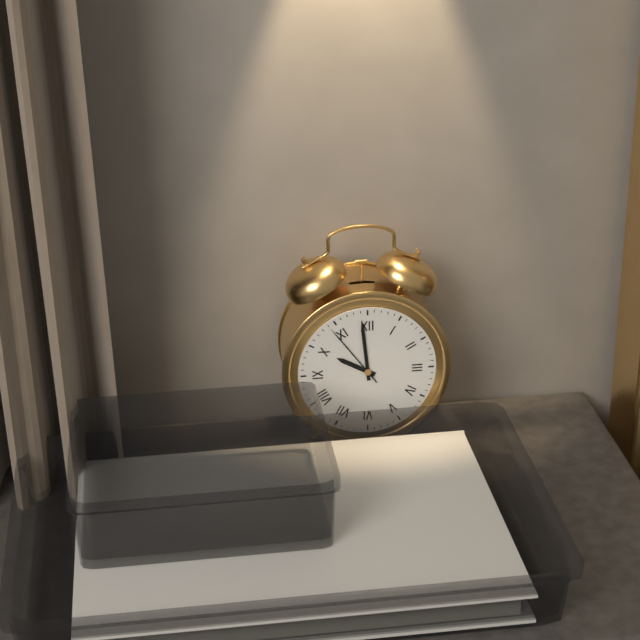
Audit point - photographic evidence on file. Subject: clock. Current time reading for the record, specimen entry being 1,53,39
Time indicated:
9,59,54
